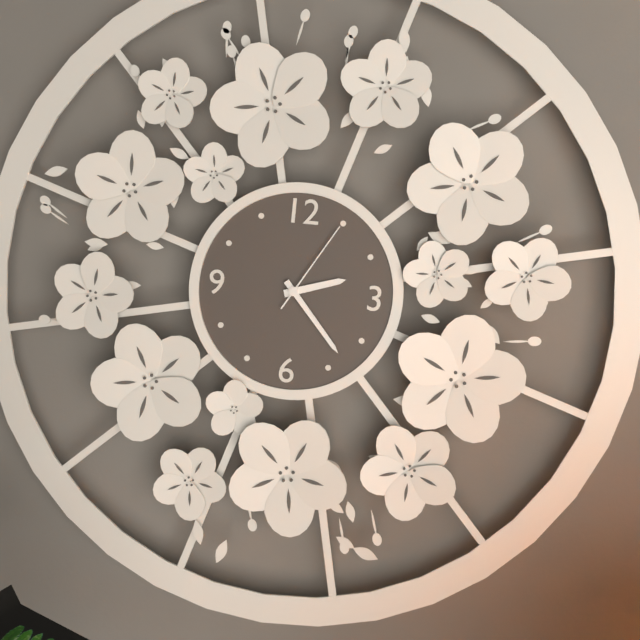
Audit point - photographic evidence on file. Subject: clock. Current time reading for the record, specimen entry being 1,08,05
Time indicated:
2,23,05
